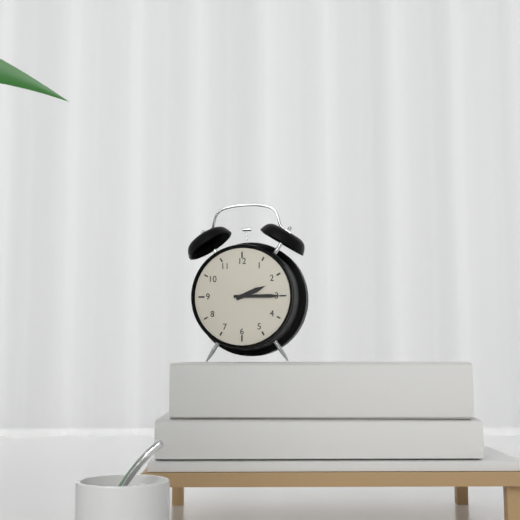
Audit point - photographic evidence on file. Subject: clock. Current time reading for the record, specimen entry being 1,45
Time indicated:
2,15
